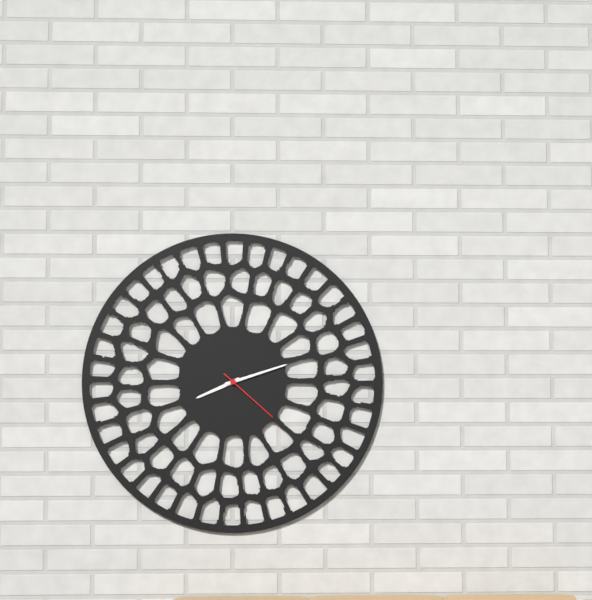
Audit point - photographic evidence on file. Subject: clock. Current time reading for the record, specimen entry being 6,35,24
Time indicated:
8,12,22
